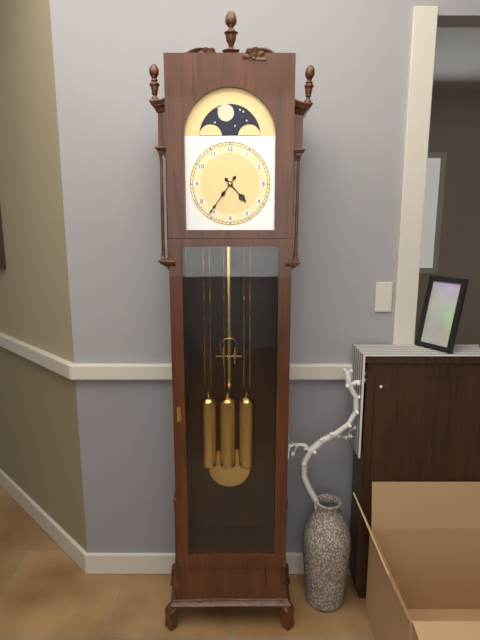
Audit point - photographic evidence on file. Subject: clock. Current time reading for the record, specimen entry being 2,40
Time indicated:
4,36
